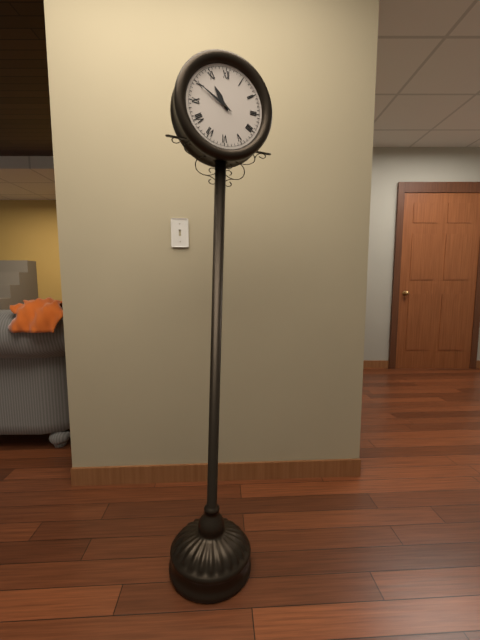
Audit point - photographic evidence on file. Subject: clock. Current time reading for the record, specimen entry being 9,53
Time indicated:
10,50
